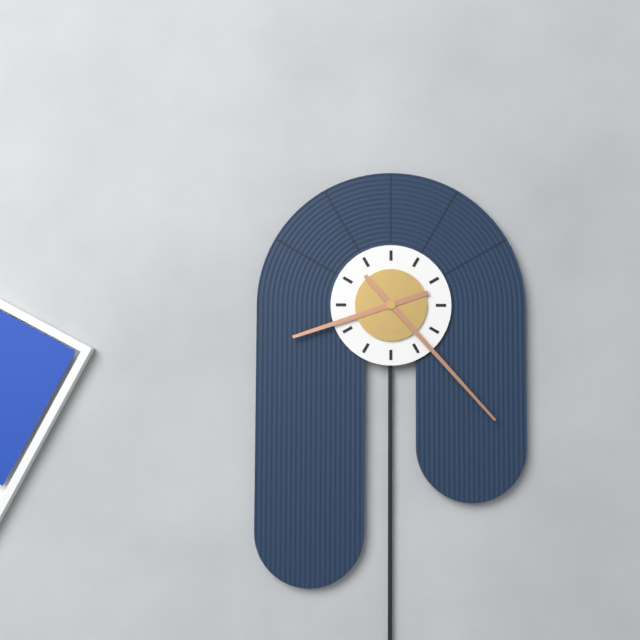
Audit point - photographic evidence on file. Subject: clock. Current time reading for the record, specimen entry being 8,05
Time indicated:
8,23
